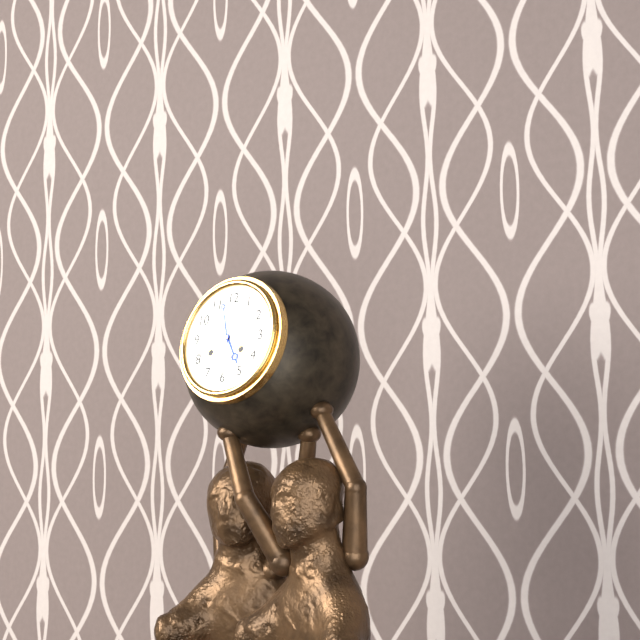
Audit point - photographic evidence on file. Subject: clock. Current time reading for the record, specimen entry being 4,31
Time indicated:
4,57
